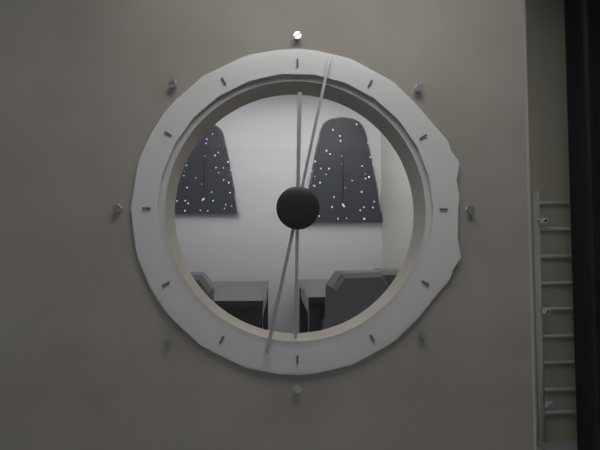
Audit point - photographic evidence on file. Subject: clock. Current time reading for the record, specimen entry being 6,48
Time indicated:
6,02
